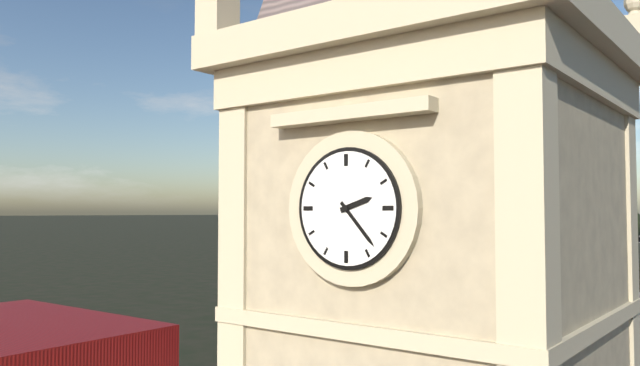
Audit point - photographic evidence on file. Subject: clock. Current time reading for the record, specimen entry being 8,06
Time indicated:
2,23
